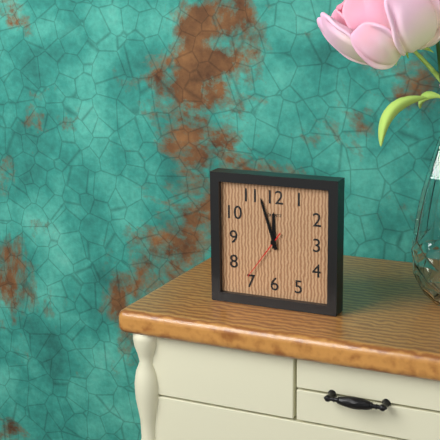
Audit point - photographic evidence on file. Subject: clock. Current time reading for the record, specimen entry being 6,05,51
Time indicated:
11,57,36
